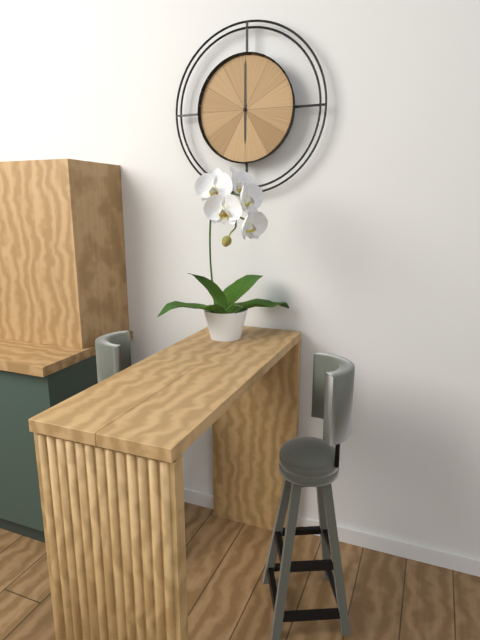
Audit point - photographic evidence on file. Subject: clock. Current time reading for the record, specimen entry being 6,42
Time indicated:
6,00
